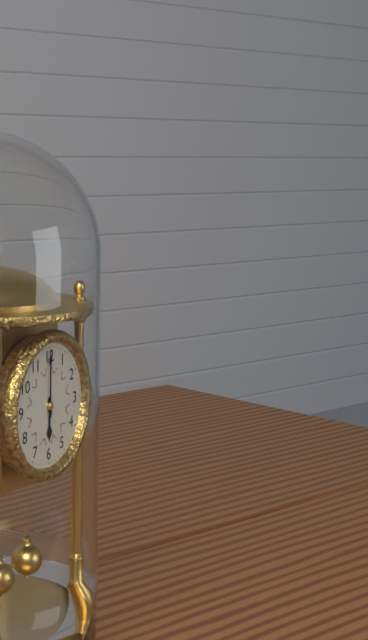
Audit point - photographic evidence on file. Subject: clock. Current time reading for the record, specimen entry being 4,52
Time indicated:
6,00
